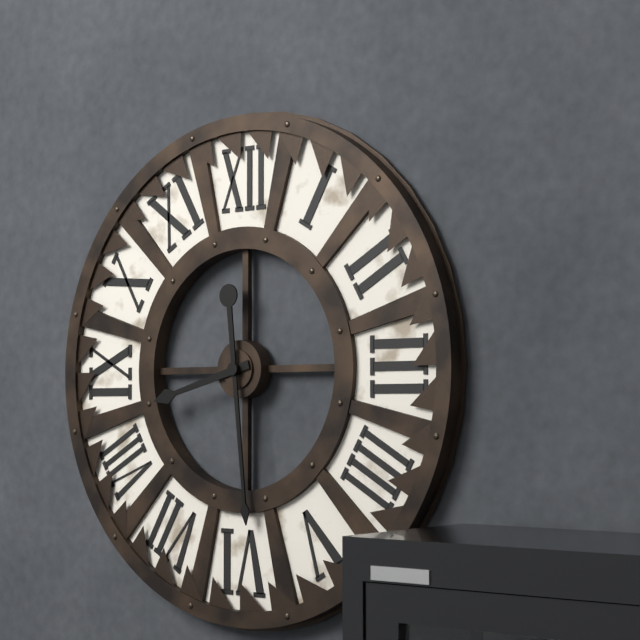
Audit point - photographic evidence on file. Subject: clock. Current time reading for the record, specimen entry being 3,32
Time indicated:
8,29
